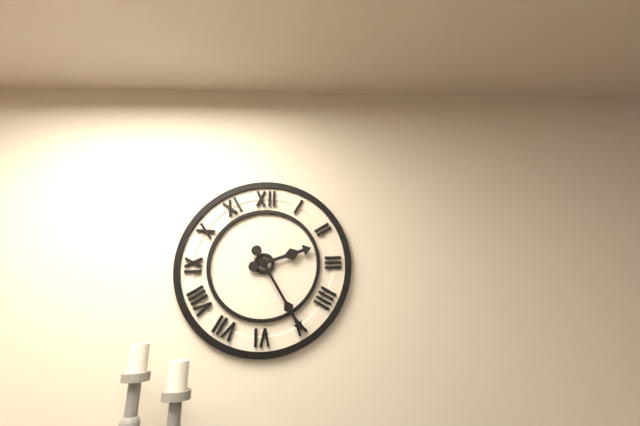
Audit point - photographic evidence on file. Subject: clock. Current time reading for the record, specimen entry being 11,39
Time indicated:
2,25
